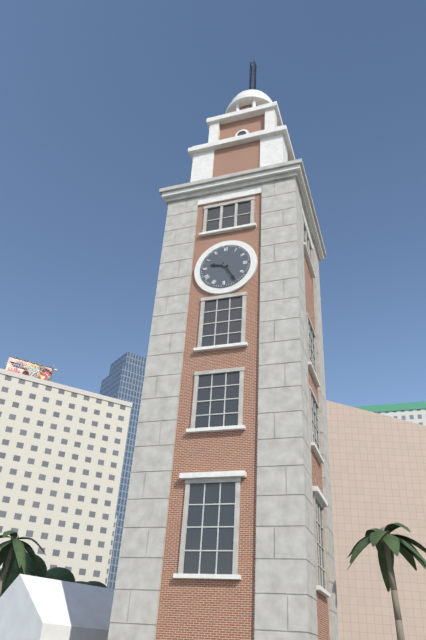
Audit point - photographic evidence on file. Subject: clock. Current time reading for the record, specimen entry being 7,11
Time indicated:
9,25
